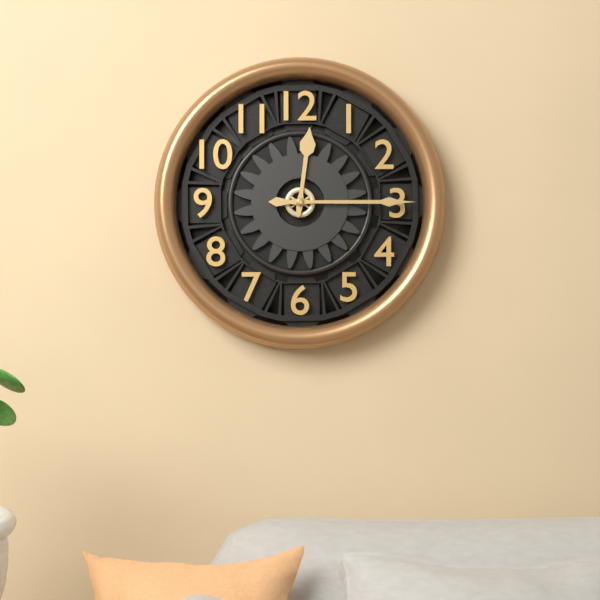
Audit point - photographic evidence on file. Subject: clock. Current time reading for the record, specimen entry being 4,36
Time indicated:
12,15
